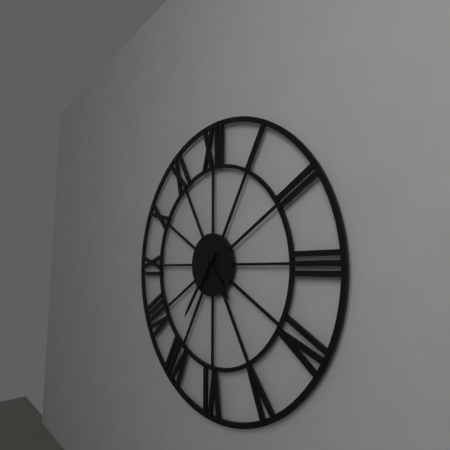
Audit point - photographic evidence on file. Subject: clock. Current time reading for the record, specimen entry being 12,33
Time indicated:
4,36
